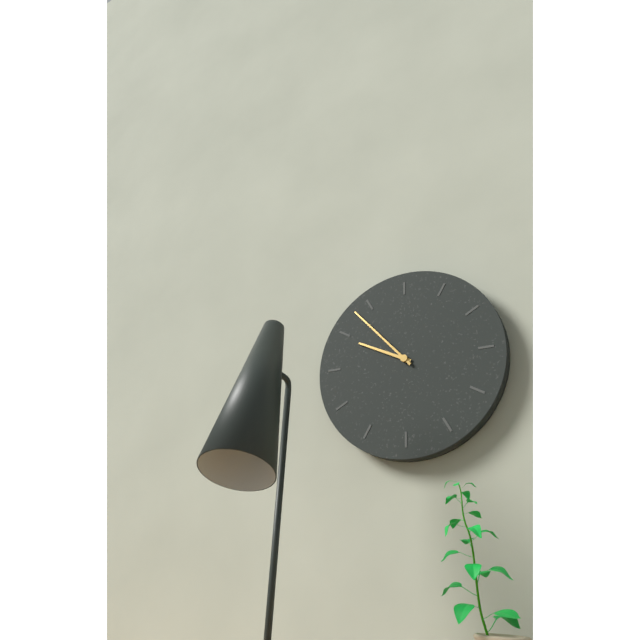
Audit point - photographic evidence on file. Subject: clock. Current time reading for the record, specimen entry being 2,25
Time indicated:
9,53
